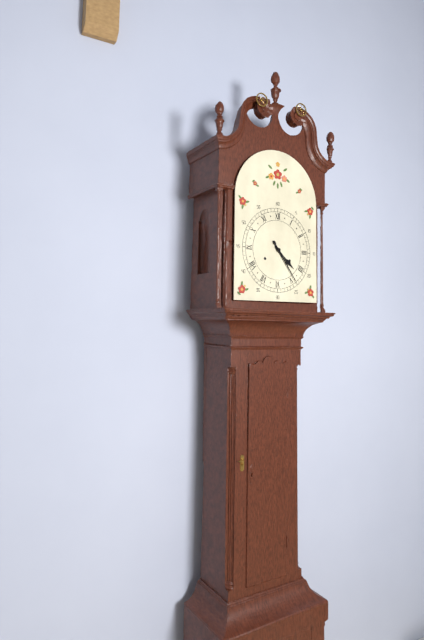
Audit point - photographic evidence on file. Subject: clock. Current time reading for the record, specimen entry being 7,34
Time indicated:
4,24
